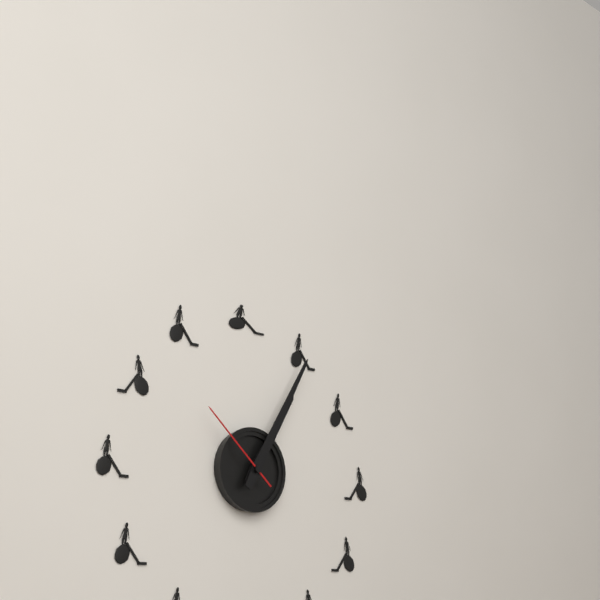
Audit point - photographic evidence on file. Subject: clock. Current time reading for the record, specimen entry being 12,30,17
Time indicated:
1,05,52
